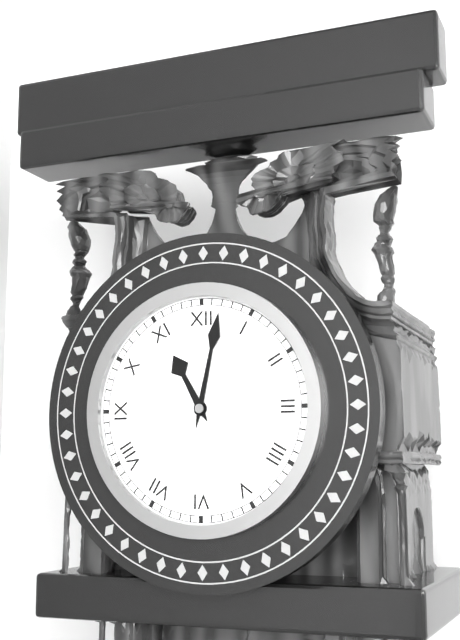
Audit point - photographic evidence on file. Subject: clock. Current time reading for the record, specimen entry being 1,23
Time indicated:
11,02
